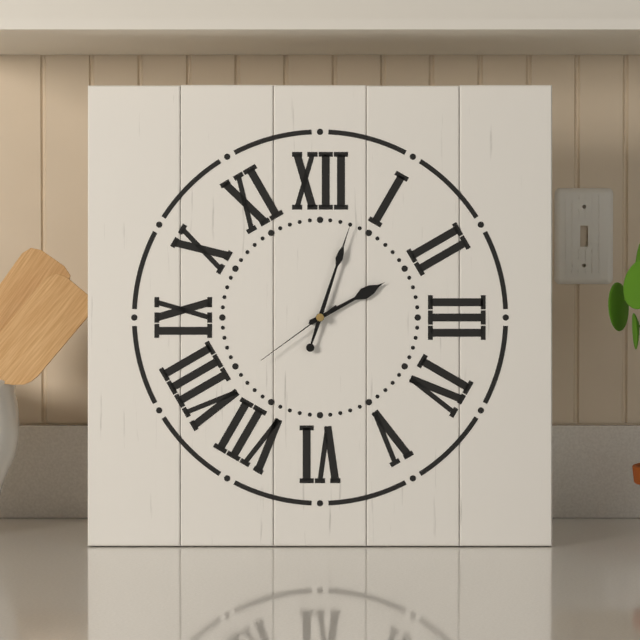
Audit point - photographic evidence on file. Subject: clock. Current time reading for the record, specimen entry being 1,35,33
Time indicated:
2,03,39
